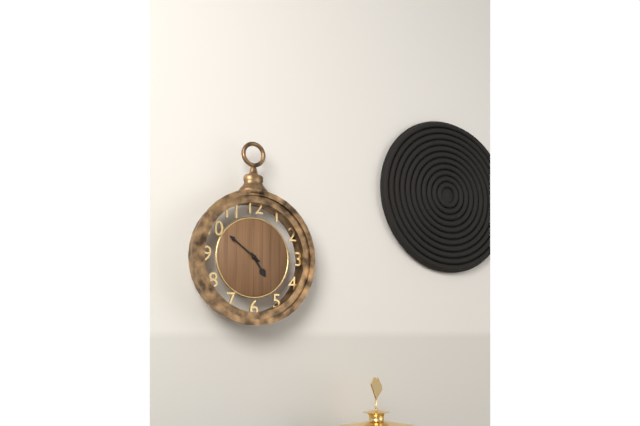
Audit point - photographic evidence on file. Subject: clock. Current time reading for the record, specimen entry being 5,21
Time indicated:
4,51
